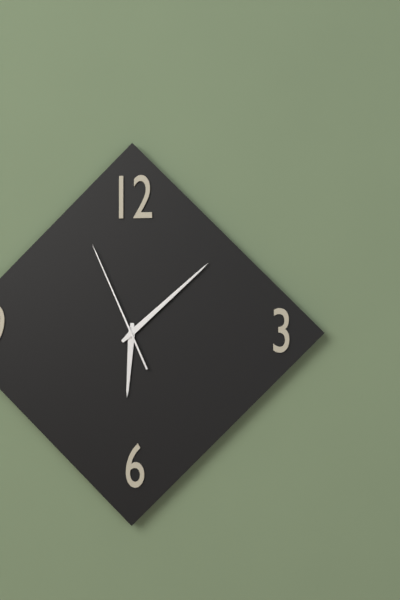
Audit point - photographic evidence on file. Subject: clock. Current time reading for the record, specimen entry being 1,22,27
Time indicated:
6,08,56
